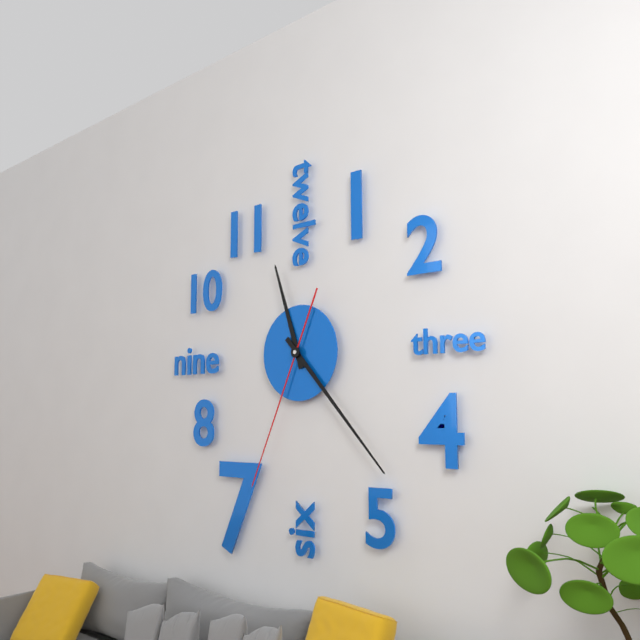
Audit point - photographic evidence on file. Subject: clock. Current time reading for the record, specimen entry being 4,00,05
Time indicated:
11,23,34
